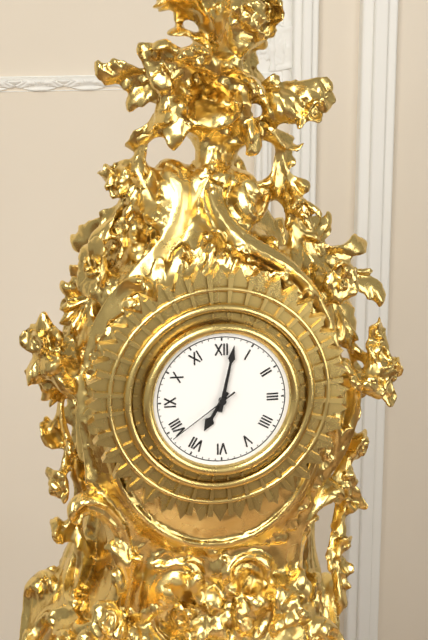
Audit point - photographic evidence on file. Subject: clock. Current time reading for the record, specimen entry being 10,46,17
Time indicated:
7,02,39
